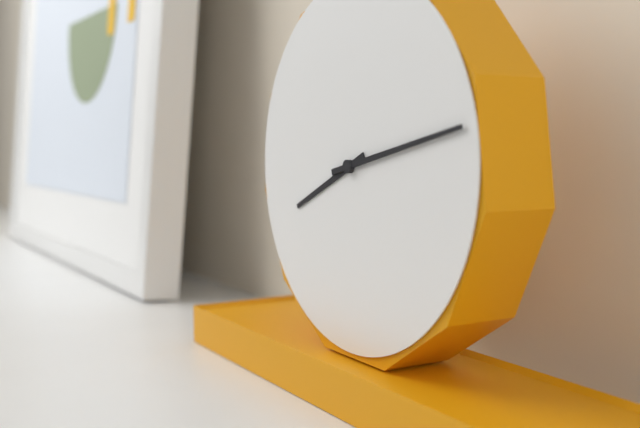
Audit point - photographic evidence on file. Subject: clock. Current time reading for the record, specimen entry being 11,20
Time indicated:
8,13
